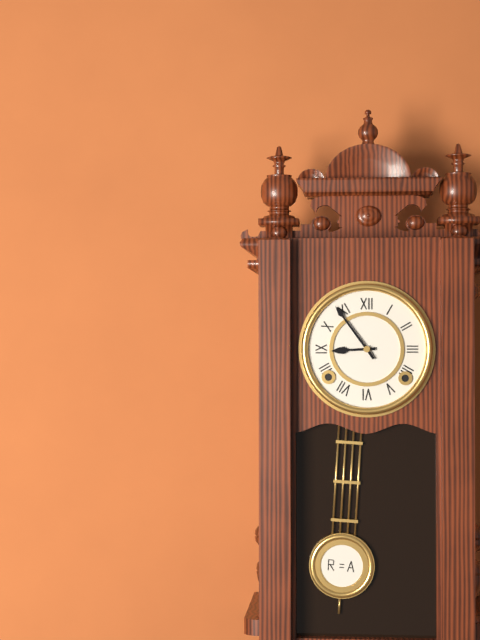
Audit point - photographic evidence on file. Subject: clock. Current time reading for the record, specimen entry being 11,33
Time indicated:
8,54
